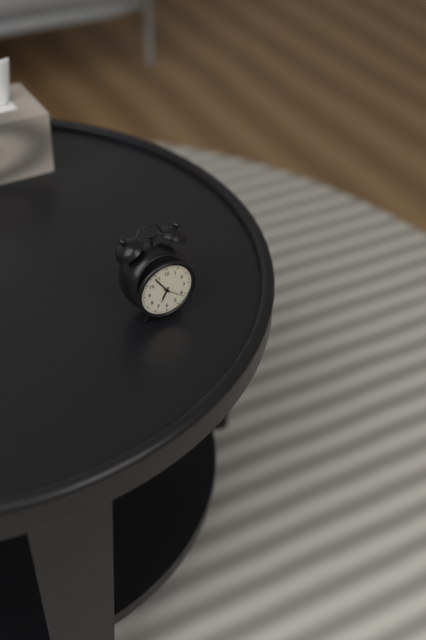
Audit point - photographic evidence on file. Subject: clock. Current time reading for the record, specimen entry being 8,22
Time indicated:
6,54
